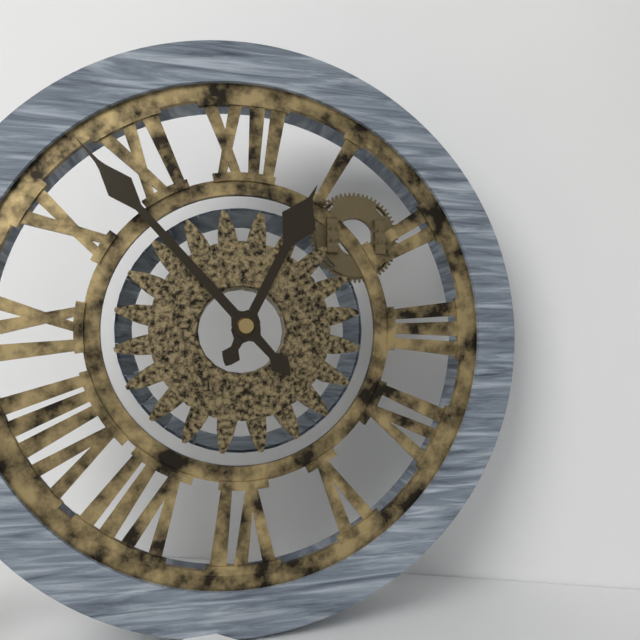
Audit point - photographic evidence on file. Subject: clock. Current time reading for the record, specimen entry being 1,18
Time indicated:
12,53
